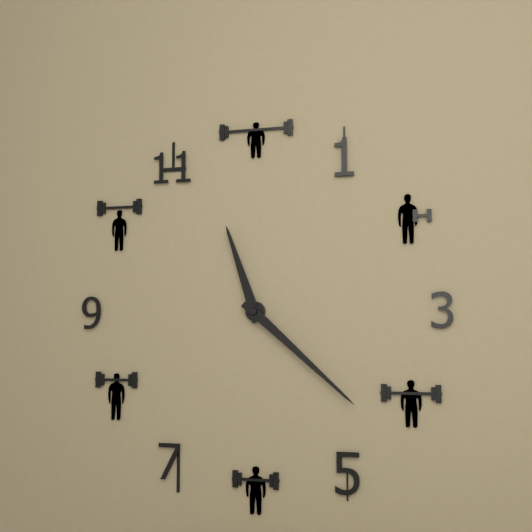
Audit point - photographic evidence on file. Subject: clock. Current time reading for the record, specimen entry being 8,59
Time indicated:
11,22
